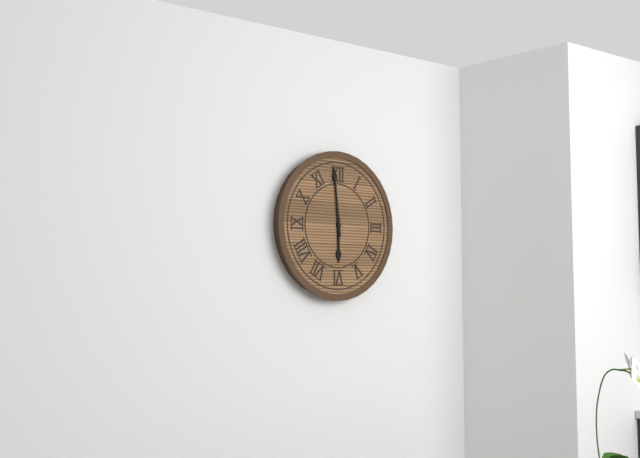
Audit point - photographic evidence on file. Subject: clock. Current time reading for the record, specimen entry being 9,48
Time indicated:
5,59
